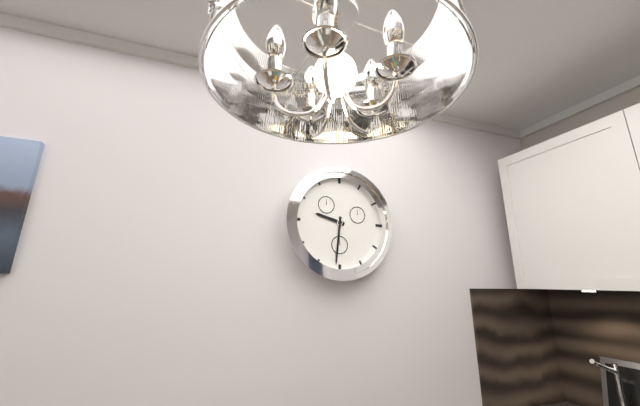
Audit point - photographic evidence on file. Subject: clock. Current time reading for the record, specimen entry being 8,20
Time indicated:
9,31
